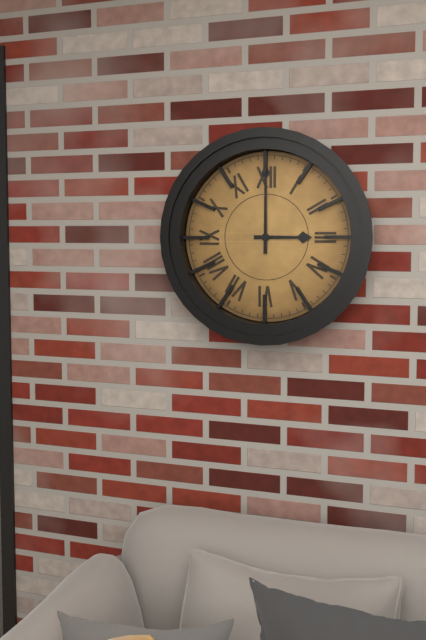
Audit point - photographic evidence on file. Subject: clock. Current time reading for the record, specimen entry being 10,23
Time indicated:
3,00
